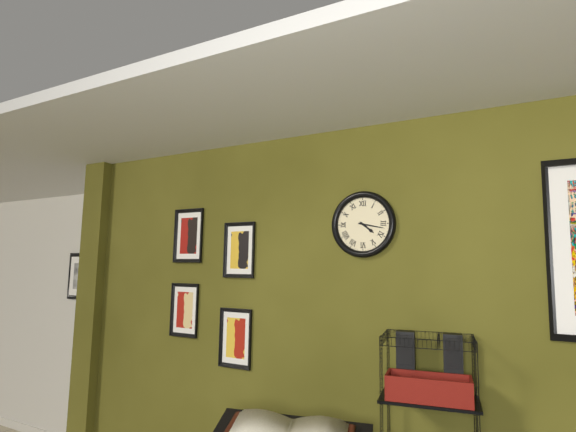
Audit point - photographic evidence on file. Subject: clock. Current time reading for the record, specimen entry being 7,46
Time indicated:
4,17
